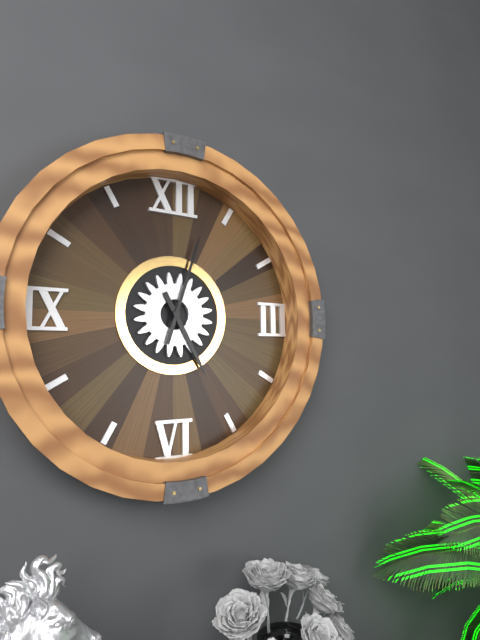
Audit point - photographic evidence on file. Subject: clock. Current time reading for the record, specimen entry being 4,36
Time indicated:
5,03
